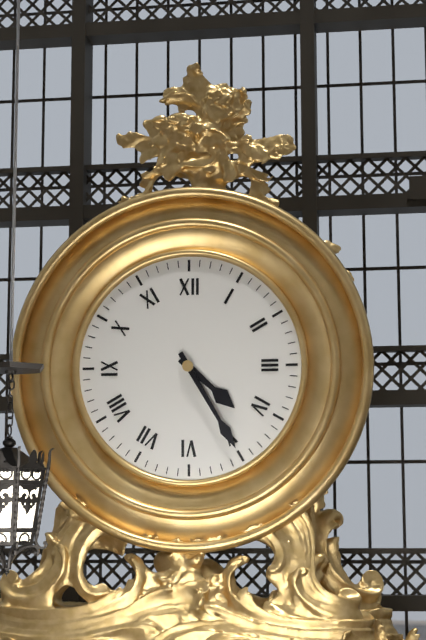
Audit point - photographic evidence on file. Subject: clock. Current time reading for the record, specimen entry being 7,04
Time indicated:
4,25
